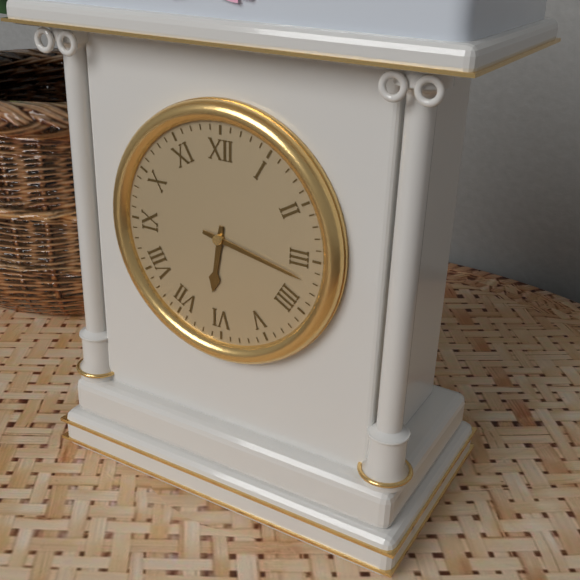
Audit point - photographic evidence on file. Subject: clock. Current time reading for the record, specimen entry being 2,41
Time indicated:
6,17
